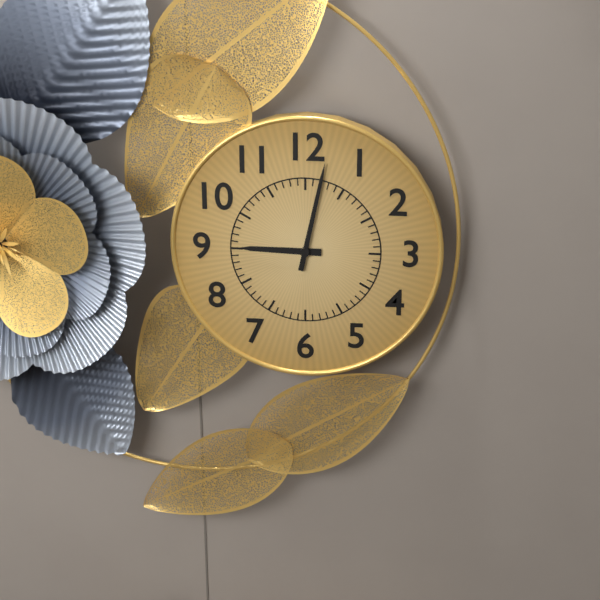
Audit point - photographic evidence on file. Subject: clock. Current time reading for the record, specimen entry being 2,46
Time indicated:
9,02
